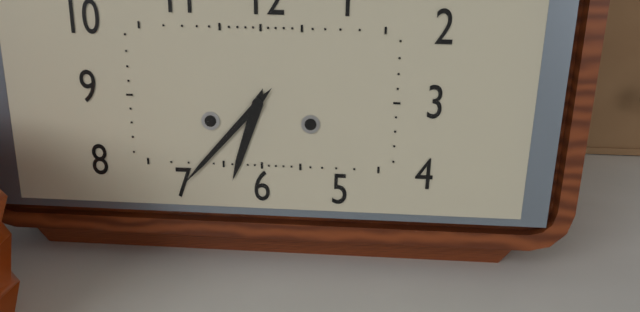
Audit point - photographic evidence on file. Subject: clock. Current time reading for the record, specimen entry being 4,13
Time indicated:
6,37
